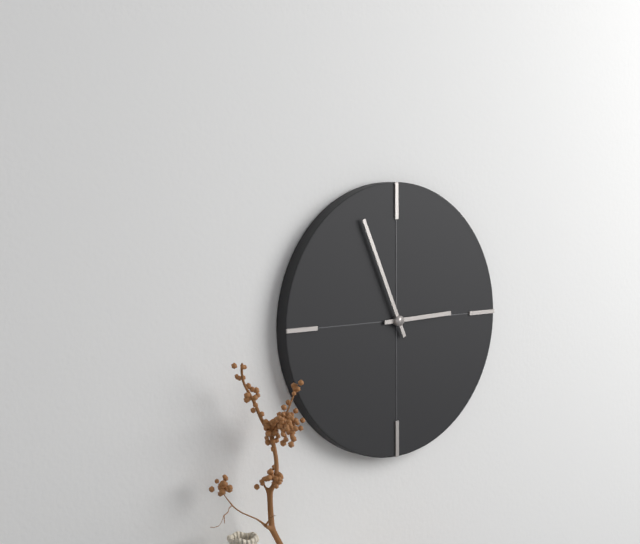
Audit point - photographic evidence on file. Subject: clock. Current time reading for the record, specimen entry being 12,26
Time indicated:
2,56
